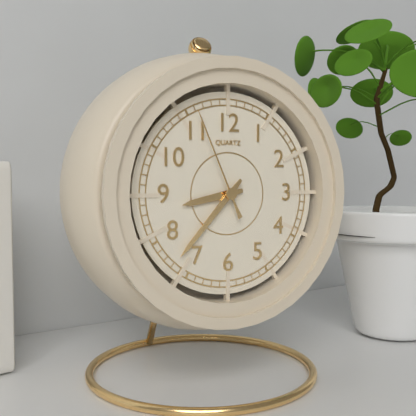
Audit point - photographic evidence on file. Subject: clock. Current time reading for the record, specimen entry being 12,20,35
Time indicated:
8,37,56
